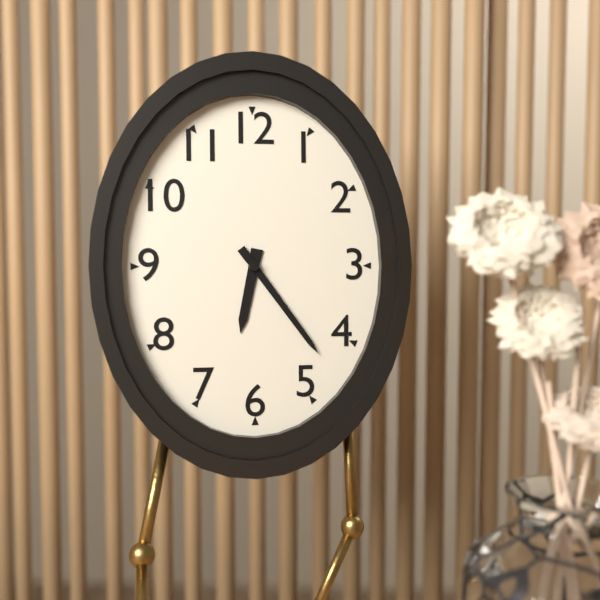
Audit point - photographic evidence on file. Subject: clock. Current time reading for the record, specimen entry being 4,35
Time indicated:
6,24
